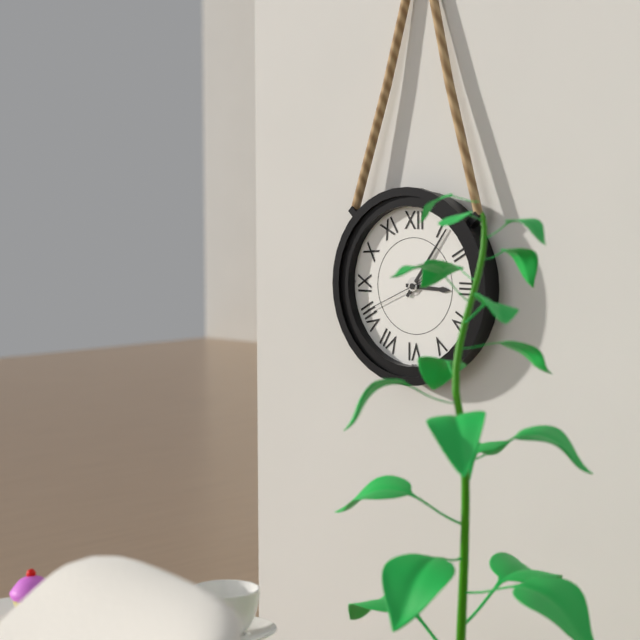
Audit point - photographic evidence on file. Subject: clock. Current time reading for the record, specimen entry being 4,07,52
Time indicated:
3,06,41
